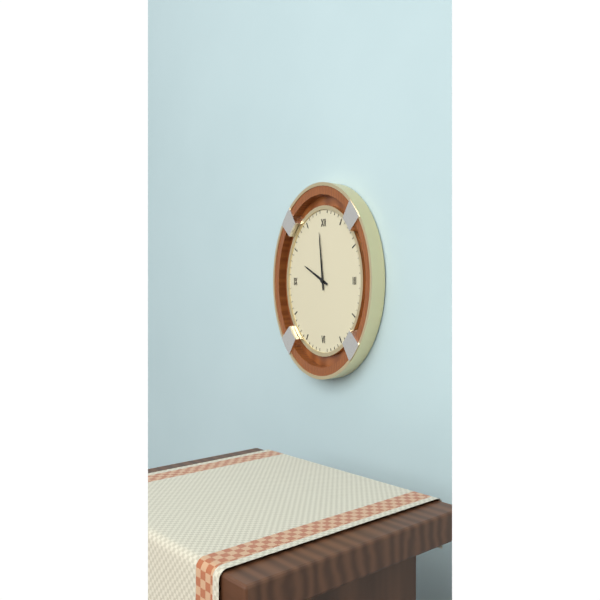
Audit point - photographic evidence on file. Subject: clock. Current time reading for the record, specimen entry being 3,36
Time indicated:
9,59
